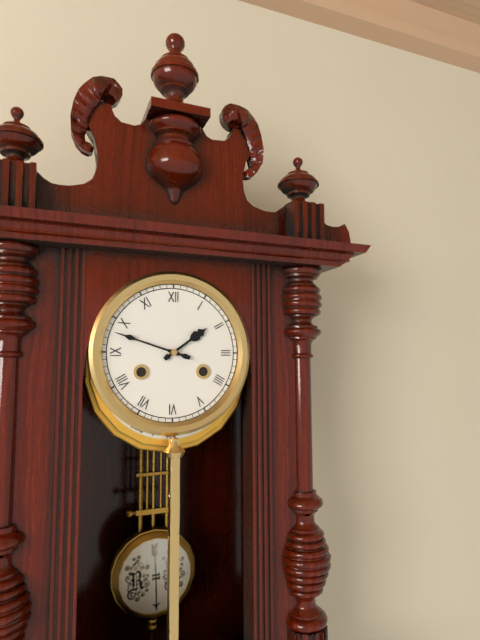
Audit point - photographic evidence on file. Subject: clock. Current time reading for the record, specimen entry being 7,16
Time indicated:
1,48
